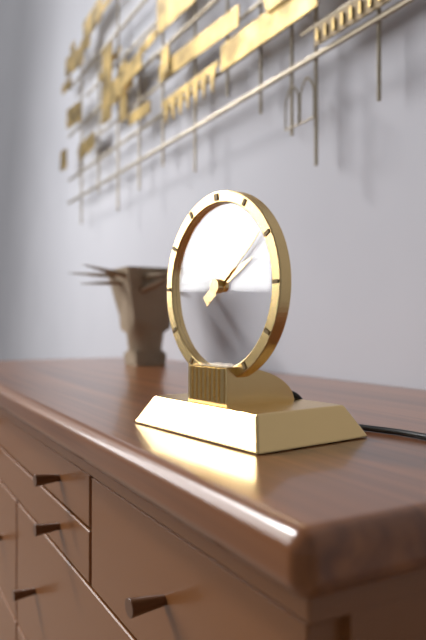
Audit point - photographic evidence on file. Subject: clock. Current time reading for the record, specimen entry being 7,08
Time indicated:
2,09
